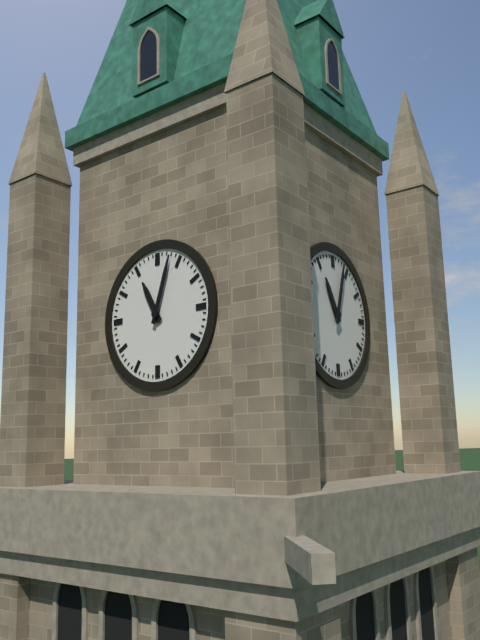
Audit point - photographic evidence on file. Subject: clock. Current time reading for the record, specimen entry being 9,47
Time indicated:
11,03
